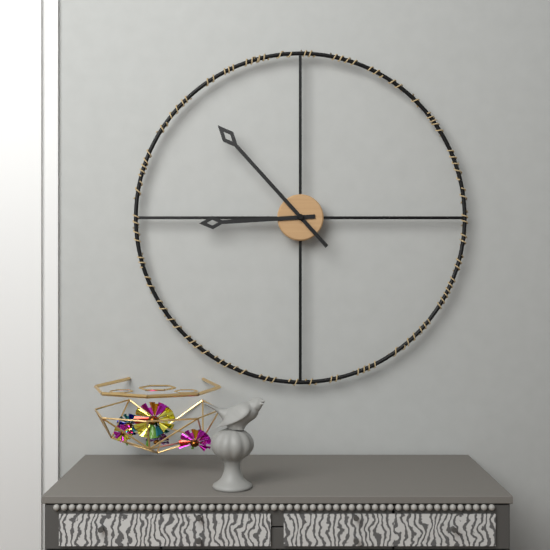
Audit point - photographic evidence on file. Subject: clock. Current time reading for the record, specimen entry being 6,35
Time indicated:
8,53
